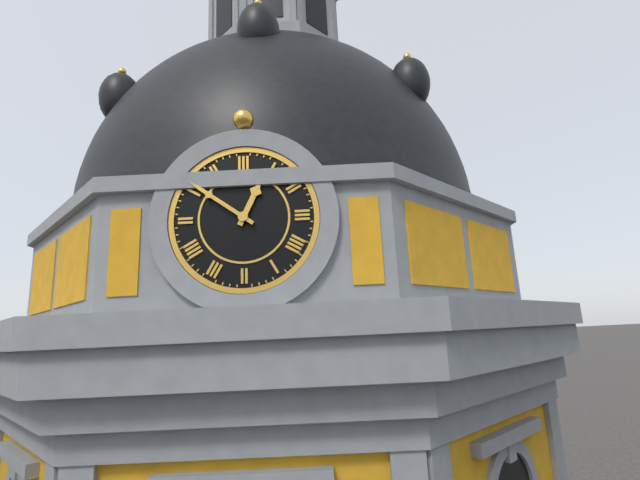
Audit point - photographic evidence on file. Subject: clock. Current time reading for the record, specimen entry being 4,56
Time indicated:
12,51
